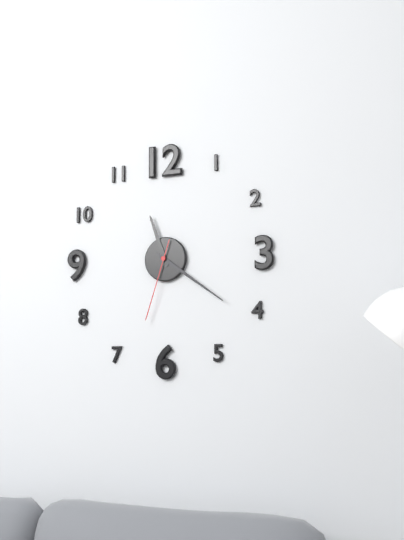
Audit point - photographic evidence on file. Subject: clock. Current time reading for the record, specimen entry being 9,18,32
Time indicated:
11,21,33
